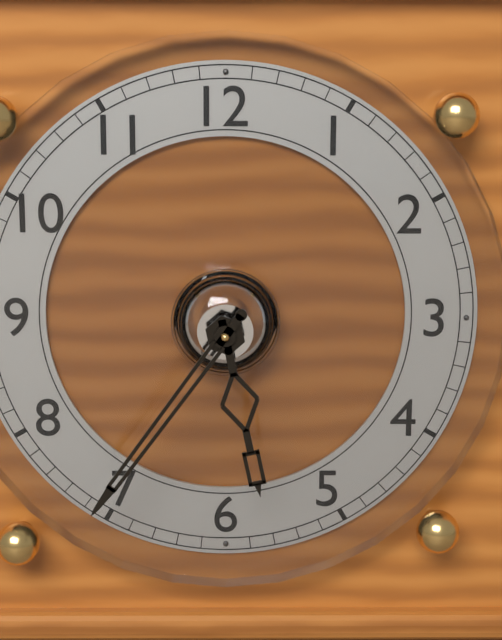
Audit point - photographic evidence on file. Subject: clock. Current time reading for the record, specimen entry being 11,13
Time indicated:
5,36
